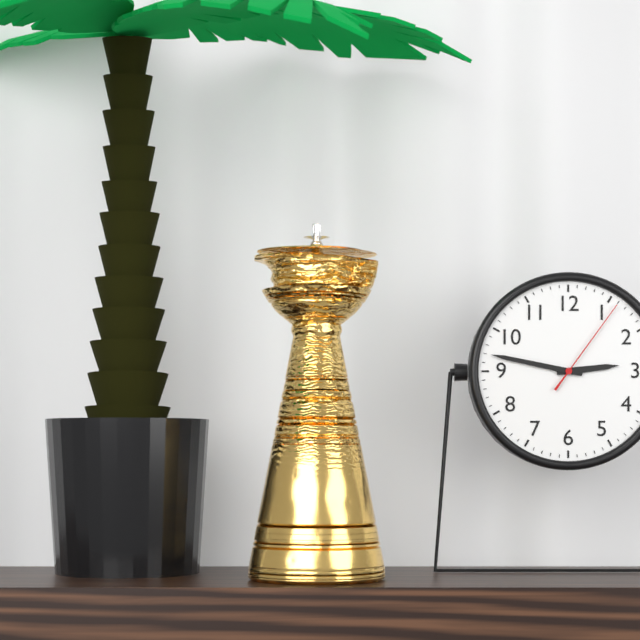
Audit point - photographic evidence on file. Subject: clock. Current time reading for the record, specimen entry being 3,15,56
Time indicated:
2,47,06
